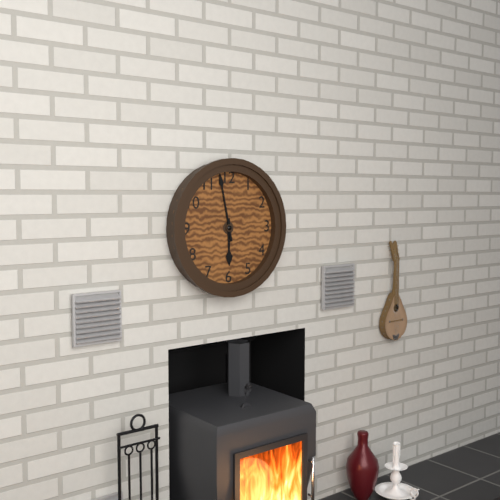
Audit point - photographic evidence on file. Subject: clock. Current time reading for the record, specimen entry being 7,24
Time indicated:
5,58
